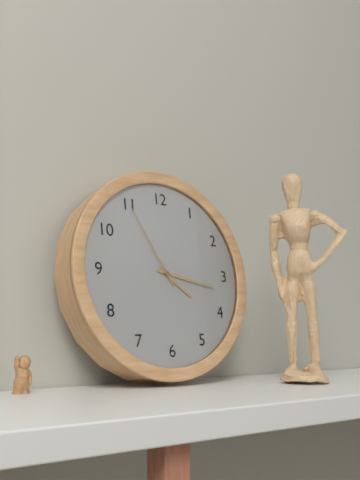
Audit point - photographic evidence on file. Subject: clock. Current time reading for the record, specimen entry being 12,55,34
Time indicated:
4,17,55
